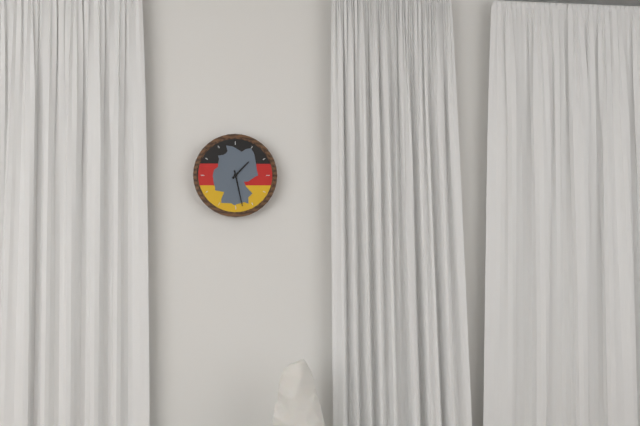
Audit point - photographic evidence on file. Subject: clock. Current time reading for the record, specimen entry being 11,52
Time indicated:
1,28
